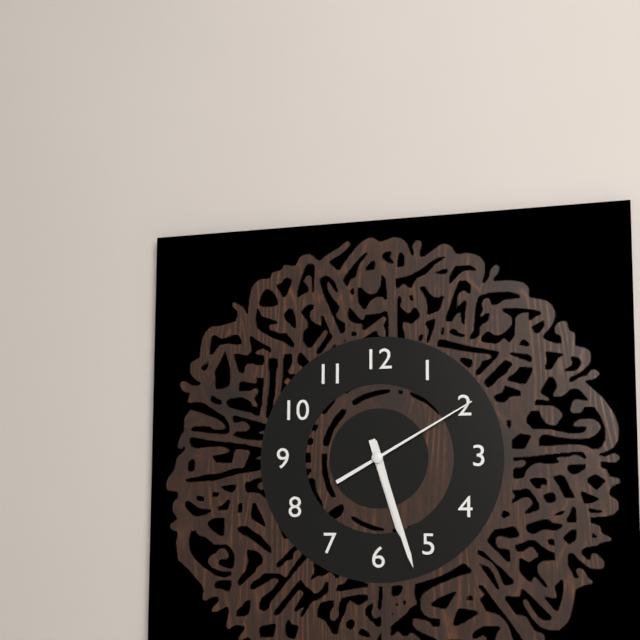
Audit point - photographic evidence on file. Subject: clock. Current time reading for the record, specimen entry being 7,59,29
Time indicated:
5,27,10
